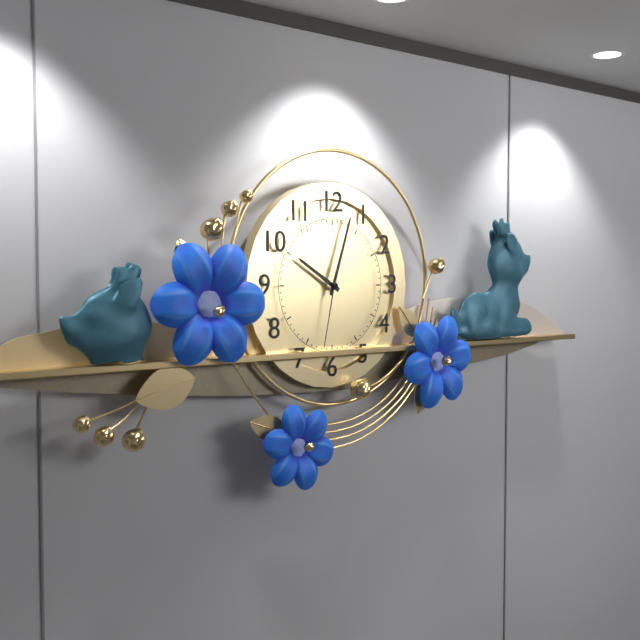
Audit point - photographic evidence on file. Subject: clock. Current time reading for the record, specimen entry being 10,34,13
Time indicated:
10,03,32
